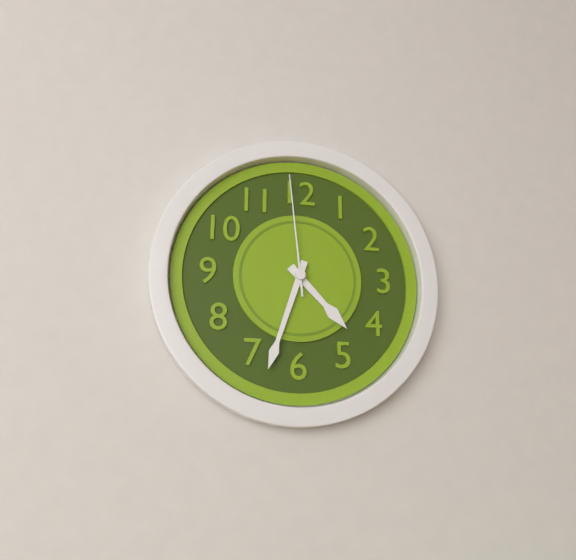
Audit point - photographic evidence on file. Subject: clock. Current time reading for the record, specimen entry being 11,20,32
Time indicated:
4,33,59
